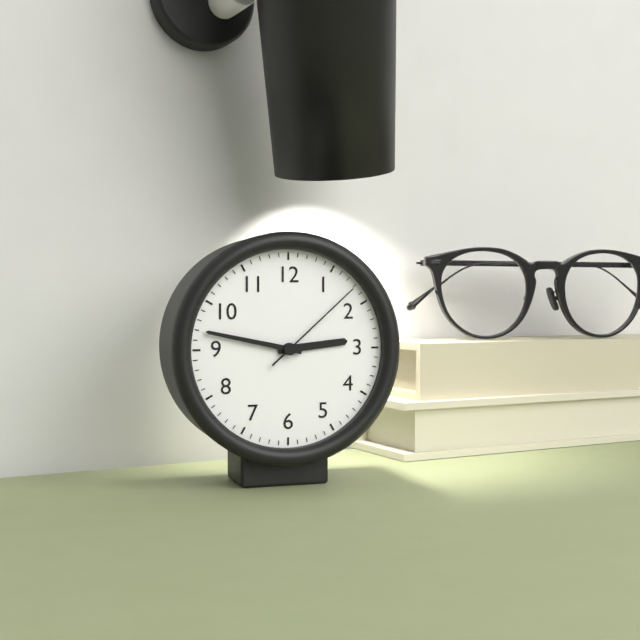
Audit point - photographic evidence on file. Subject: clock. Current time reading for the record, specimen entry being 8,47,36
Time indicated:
2,47,08
